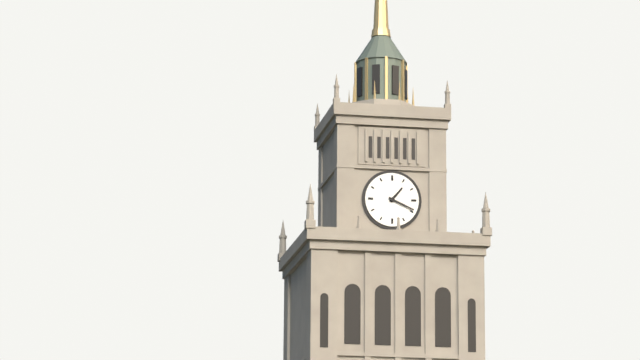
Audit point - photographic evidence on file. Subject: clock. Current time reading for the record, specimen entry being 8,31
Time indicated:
1,19
